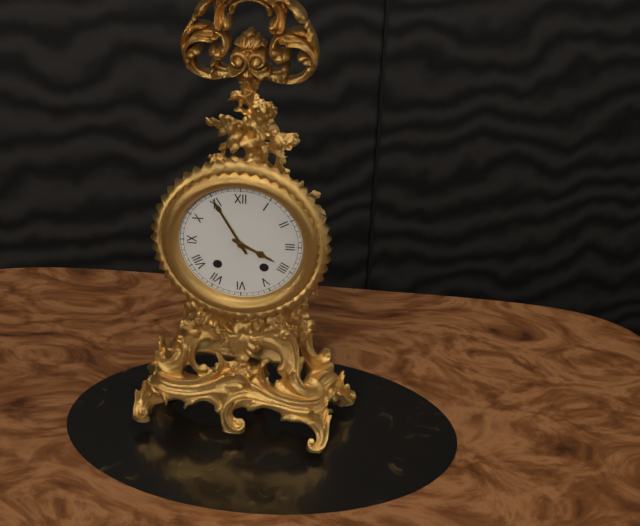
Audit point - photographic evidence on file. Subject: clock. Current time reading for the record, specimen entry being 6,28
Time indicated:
3,55
